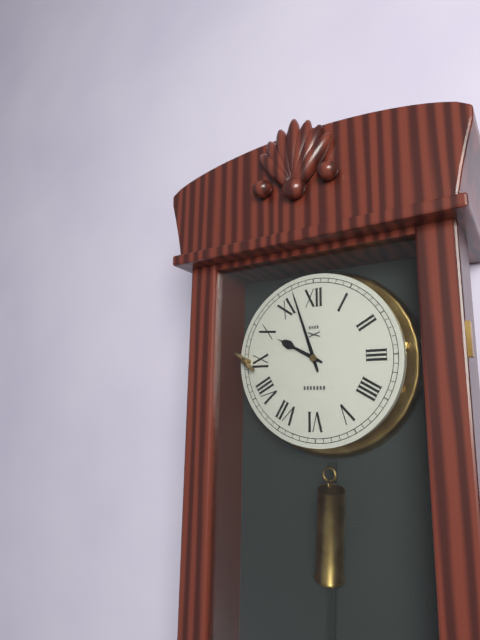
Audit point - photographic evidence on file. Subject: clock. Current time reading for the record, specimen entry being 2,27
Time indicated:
9,57
